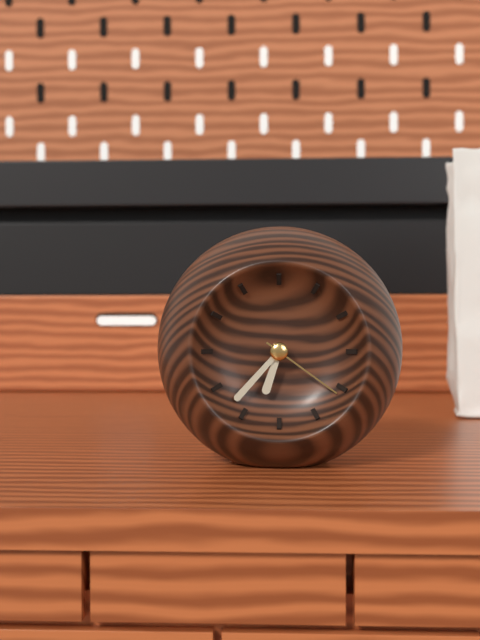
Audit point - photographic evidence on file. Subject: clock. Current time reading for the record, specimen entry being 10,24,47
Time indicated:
6,37,21
